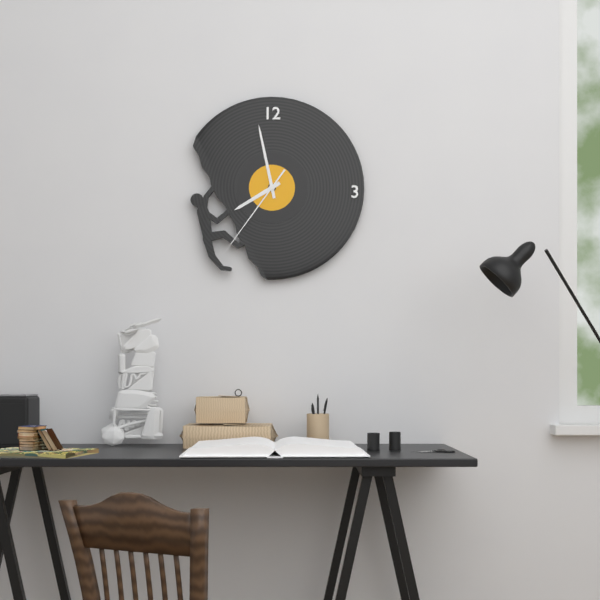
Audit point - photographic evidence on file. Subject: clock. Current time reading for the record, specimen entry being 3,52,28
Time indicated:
7,58,36
